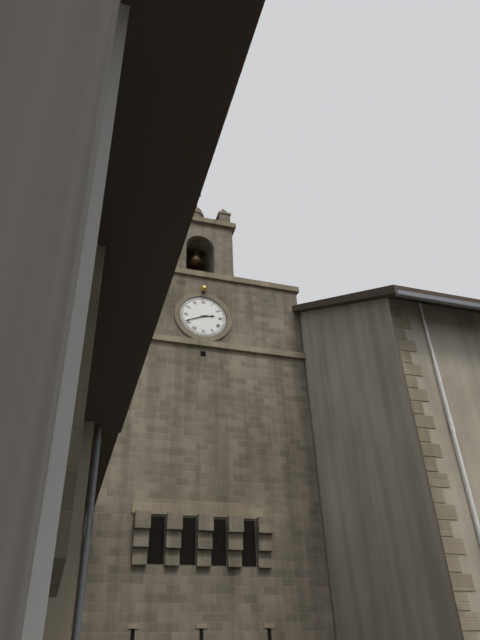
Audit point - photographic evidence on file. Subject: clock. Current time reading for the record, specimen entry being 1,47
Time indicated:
2,41
